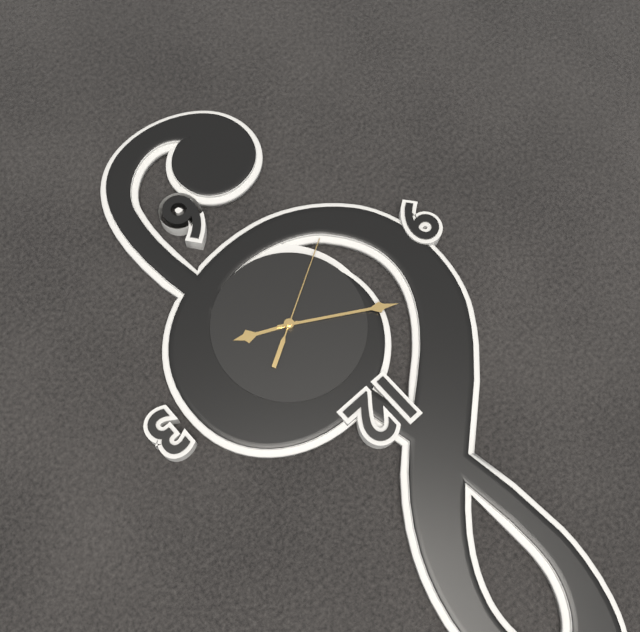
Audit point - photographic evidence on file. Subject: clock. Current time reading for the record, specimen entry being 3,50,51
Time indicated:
3,50,40
